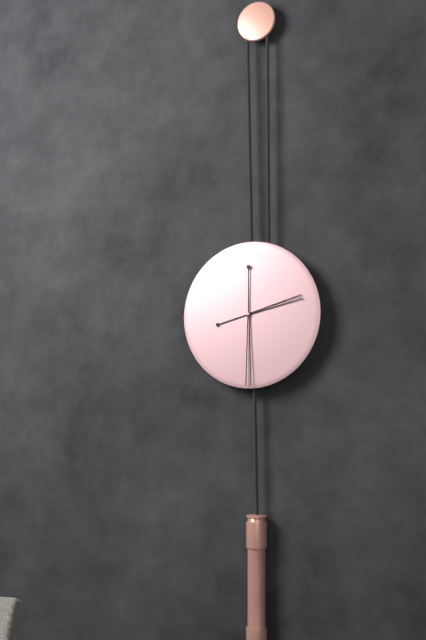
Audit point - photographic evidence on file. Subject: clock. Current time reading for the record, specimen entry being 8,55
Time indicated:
2,30
